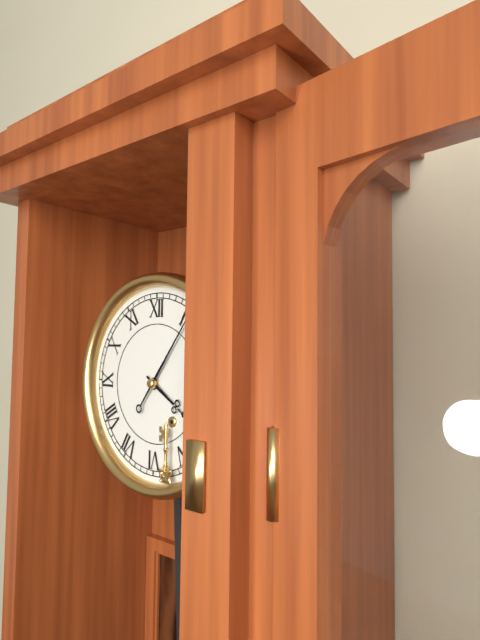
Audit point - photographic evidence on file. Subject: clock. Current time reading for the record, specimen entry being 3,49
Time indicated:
4,06
